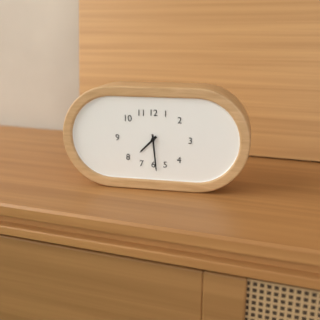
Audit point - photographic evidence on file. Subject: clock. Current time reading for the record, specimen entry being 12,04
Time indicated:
7,29
